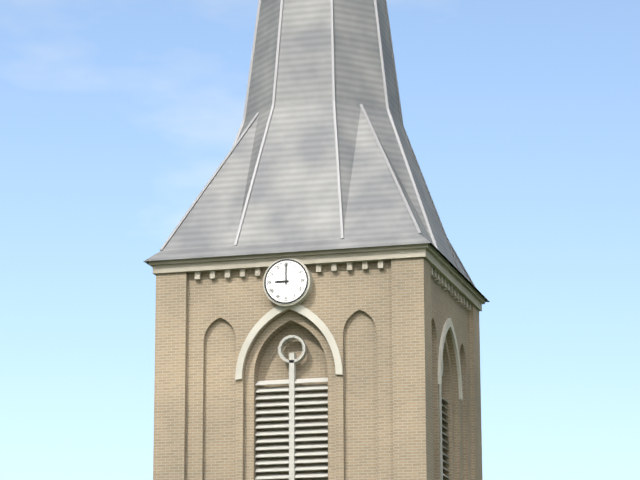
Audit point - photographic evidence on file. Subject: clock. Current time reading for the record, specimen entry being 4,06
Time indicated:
9,00
